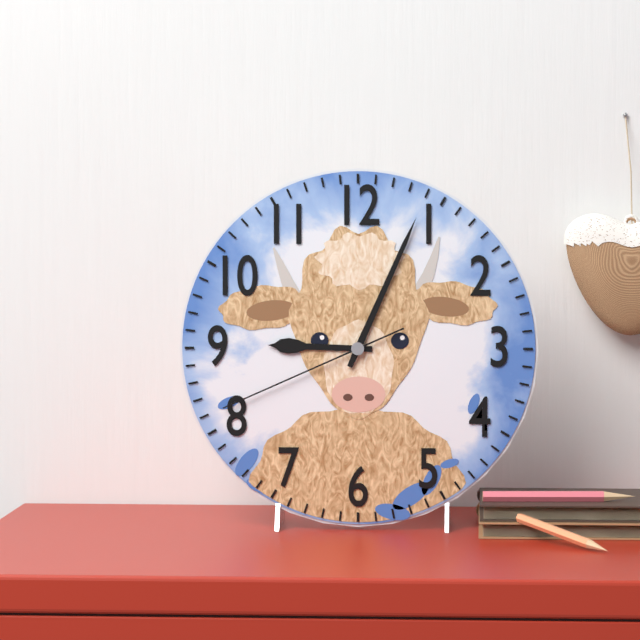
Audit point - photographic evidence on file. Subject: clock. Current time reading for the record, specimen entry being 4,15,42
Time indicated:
9,04,41
